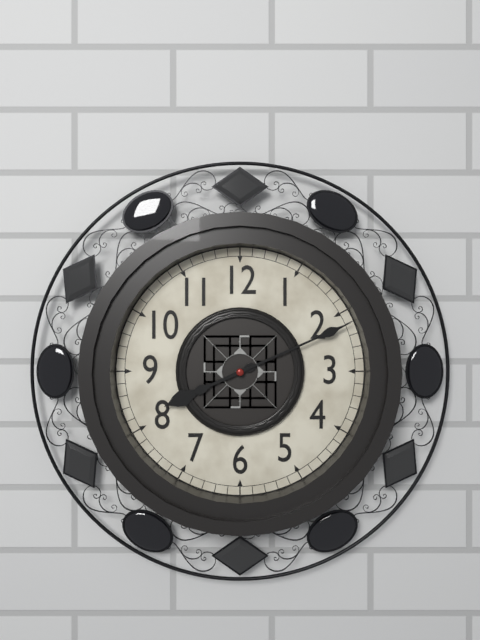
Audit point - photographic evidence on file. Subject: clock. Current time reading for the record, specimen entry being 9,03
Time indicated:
8,11
